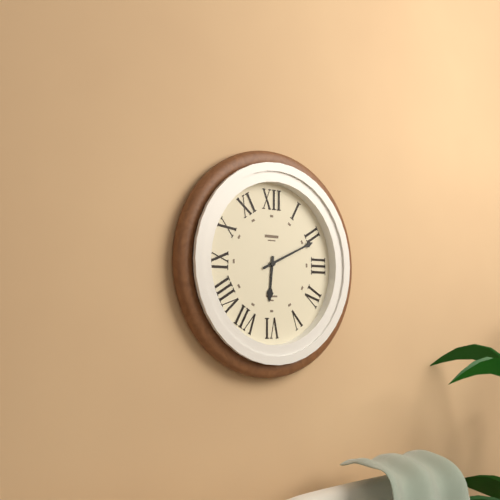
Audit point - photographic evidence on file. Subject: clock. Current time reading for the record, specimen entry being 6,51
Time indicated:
6,11
